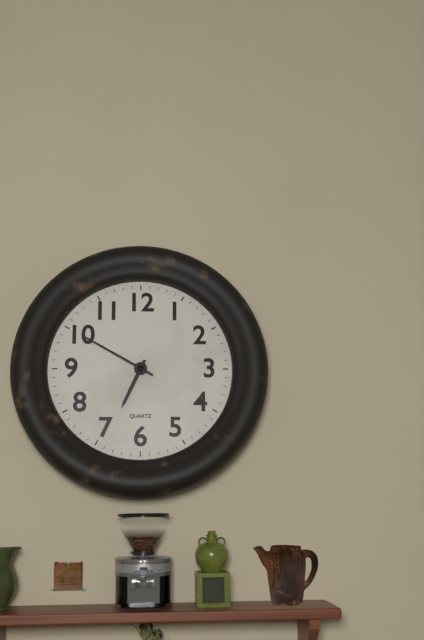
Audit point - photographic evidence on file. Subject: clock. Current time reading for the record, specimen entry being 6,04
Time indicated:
6,50
